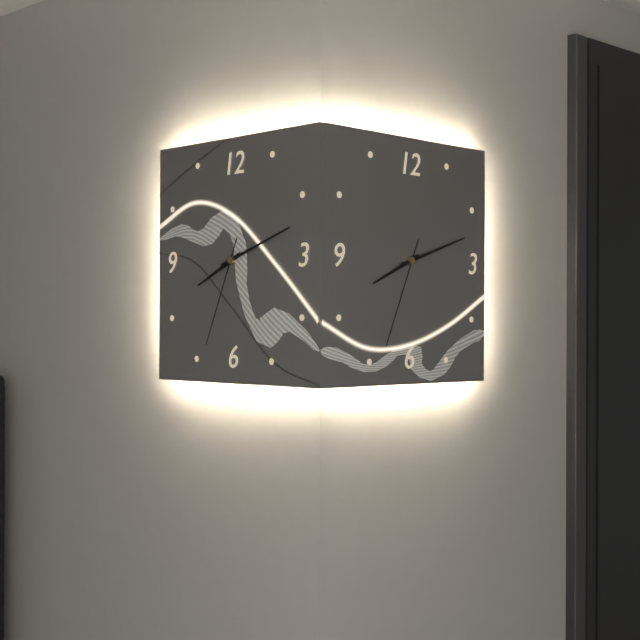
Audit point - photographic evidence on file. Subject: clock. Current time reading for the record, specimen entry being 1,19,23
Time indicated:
8,12,34
